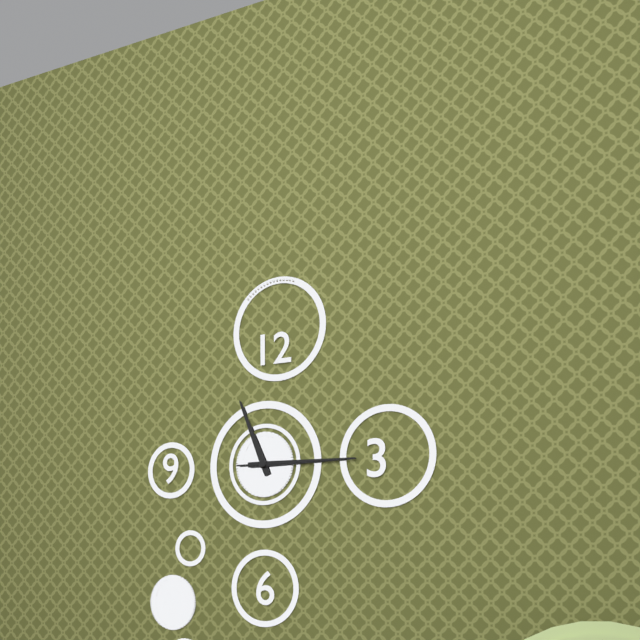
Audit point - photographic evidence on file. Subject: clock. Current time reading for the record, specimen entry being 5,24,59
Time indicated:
11,15,15
